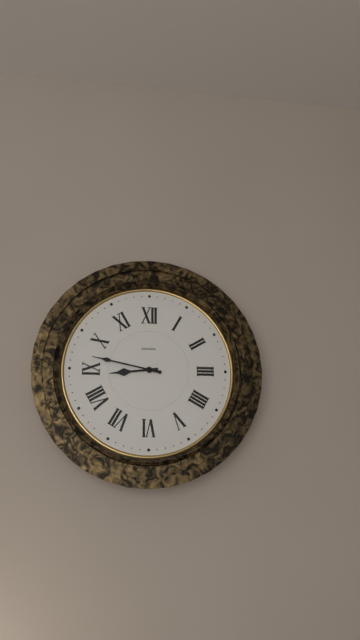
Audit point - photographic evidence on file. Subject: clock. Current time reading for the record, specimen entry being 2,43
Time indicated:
8,47
